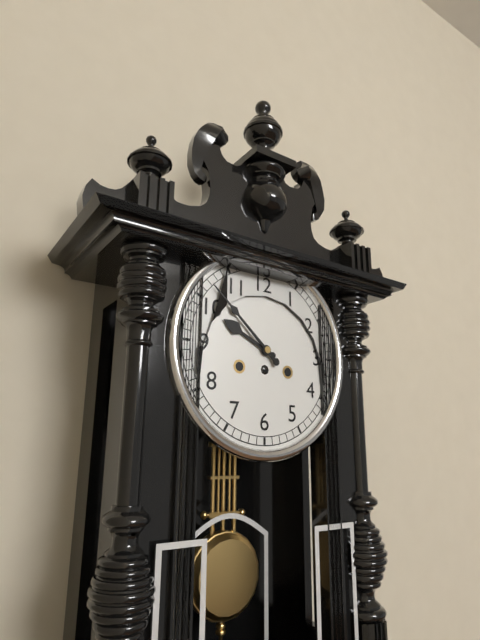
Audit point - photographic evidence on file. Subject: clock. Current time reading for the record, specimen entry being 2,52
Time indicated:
9,52
